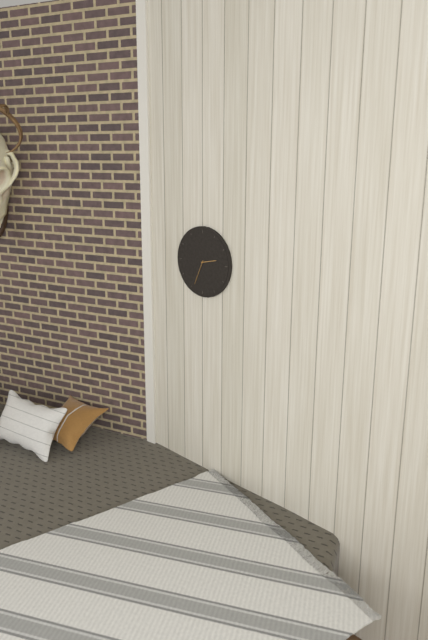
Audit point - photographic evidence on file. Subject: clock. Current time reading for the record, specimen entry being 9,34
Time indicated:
2,34
